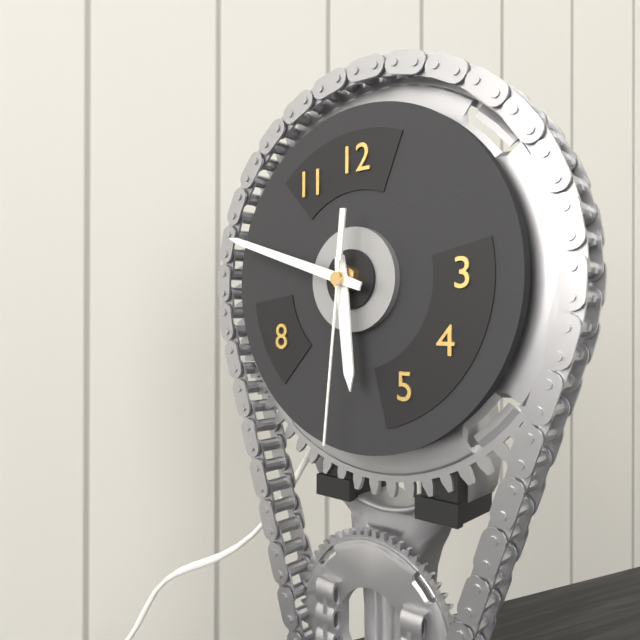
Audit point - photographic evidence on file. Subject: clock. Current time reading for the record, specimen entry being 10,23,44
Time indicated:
5,48,31
